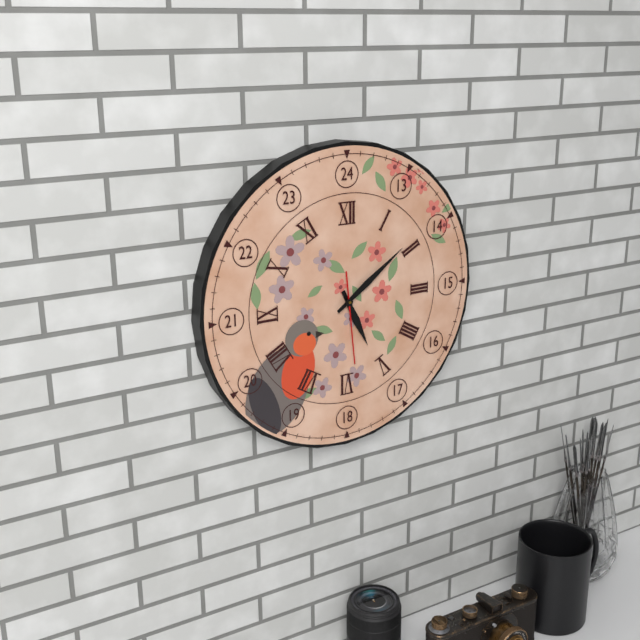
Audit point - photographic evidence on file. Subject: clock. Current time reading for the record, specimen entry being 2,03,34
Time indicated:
5,09,29
